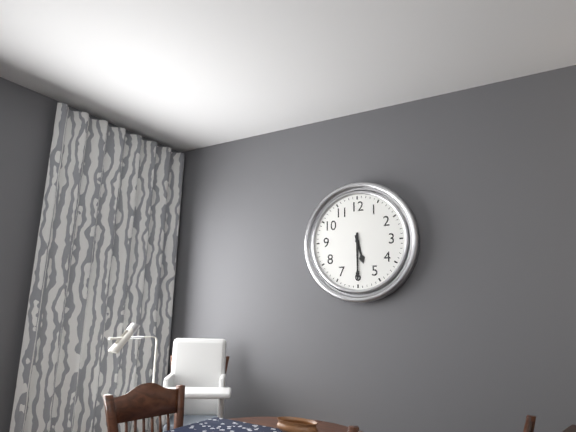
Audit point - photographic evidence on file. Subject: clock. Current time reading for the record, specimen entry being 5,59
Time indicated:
5,30
